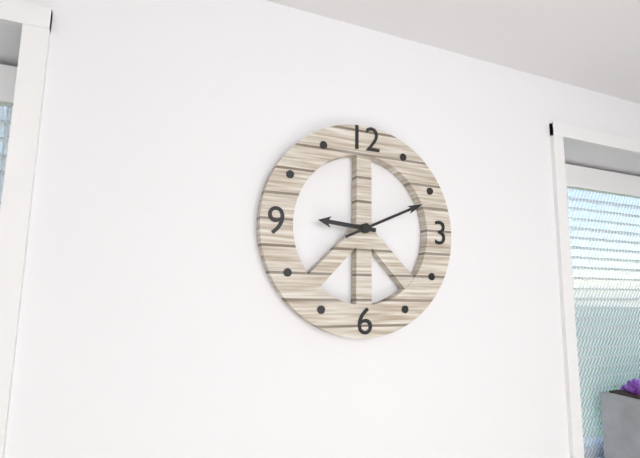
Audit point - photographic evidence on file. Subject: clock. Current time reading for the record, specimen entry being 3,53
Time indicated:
9,11
